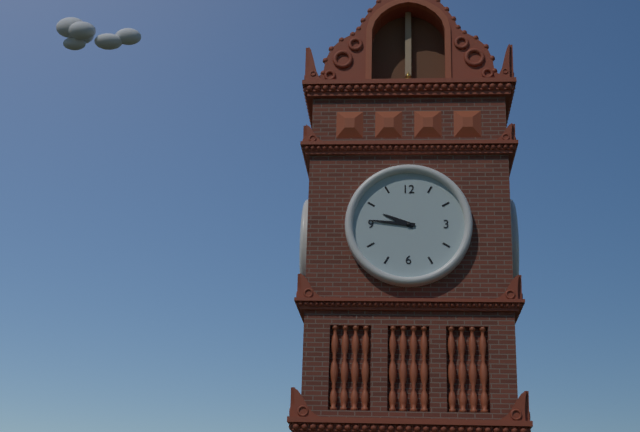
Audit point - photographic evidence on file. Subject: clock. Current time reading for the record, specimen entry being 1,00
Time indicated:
9,46
